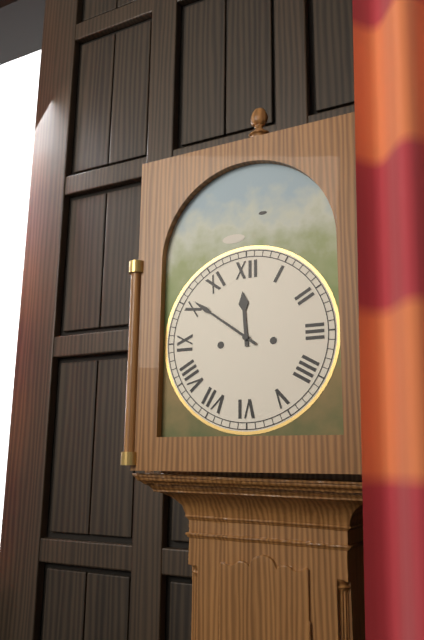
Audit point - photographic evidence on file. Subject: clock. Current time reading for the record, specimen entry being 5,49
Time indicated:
11,51
